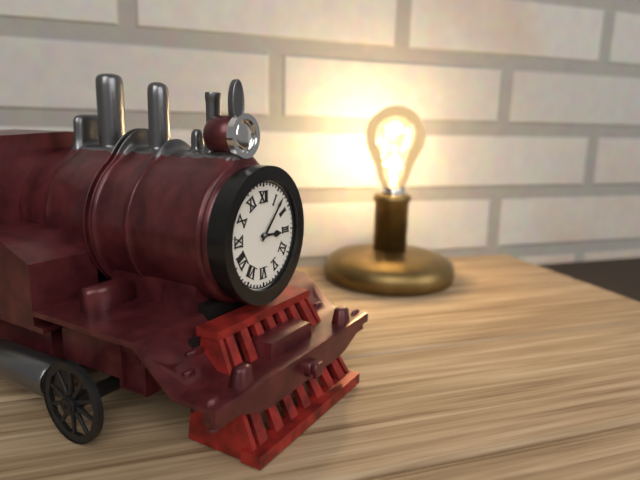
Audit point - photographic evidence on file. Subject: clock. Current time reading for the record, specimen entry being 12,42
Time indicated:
3,07
